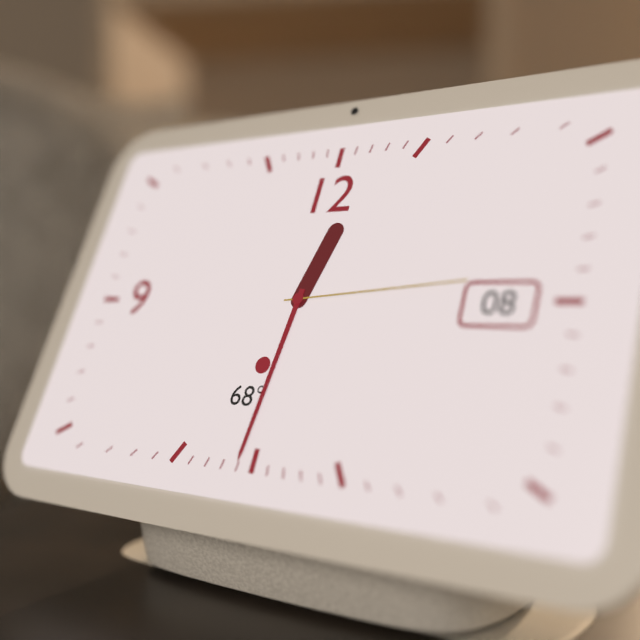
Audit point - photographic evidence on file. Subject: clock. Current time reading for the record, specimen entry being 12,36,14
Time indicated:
12,31,14
